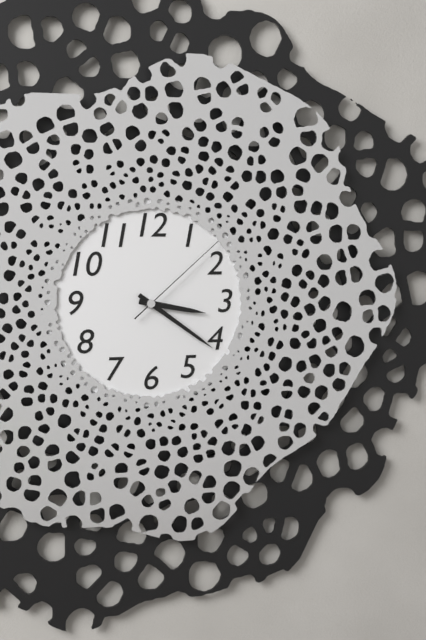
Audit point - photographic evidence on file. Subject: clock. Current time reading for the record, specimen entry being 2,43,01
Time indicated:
3,21,08
